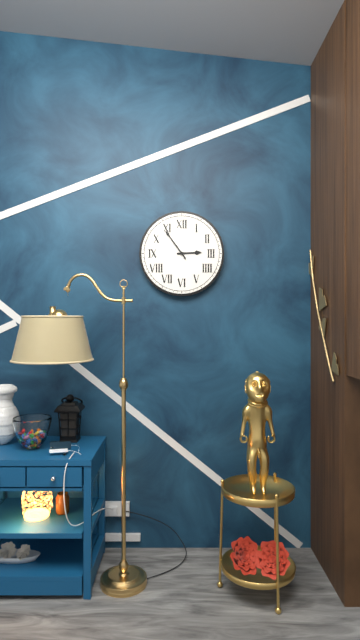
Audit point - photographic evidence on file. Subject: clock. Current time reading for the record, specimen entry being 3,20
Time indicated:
2,54
